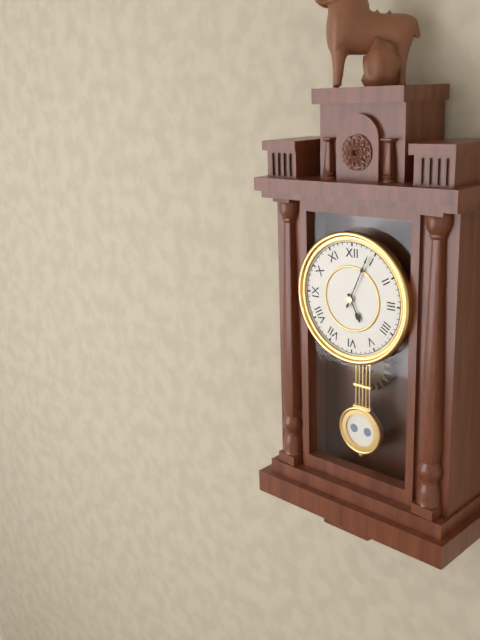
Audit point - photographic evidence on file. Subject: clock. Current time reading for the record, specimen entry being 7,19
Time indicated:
5,04
